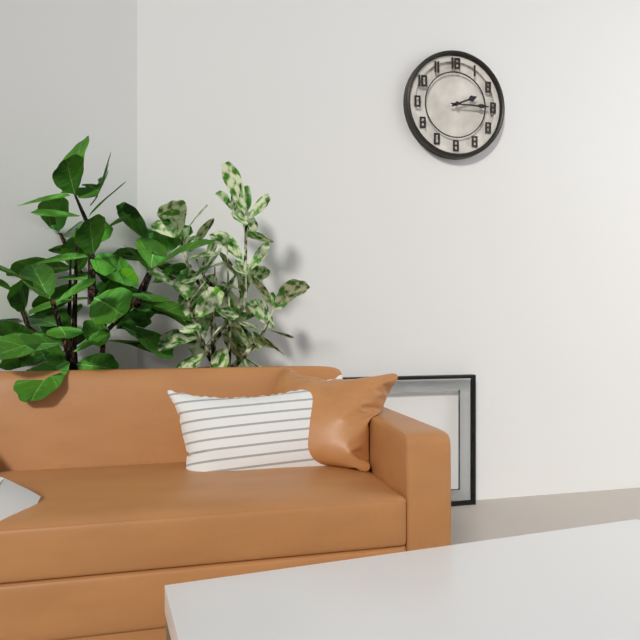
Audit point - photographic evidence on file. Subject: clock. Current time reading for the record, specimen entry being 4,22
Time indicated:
2,15
